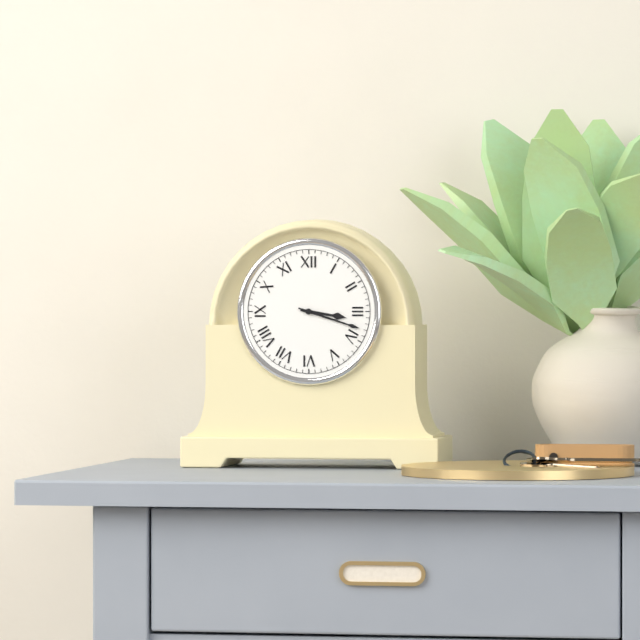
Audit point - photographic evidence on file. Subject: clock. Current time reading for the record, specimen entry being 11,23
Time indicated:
3,18
